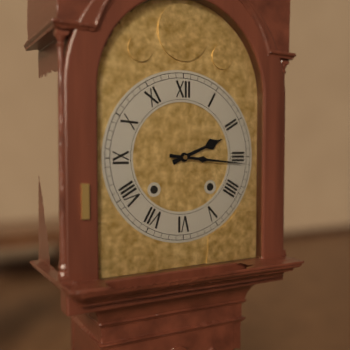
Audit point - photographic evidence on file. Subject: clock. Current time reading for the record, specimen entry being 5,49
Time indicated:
2,16
